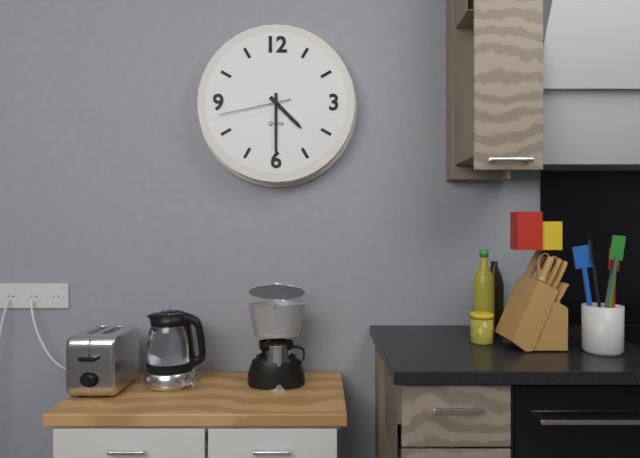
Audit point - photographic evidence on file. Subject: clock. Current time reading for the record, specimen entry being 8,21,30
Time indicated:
4,30,43
